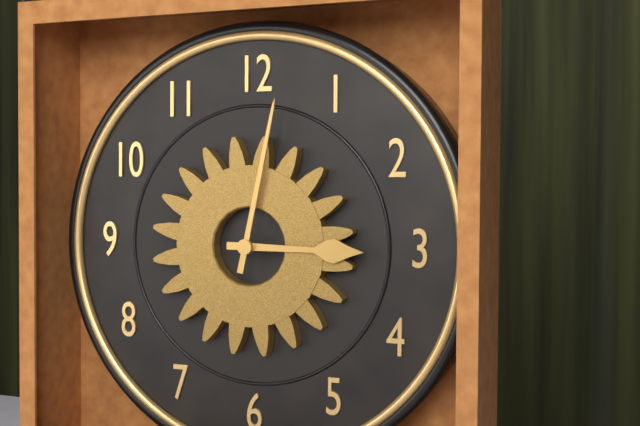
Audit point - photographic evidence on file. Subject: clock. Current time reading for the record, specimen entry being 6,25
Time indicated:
3,02
